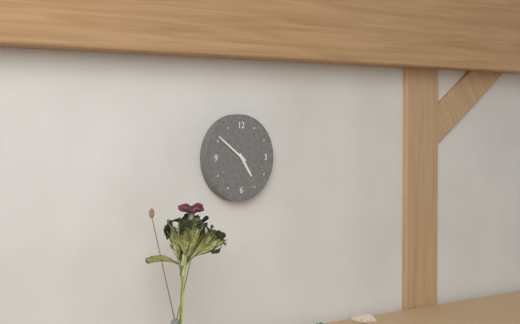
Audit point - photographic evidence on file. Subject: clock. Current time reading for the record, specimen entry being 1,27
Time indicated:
4,51
